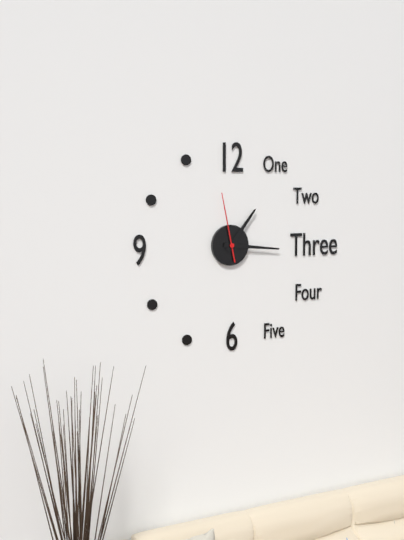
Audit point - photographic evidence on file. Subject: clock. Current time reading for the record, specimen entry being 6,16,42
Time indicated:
1,16,58
